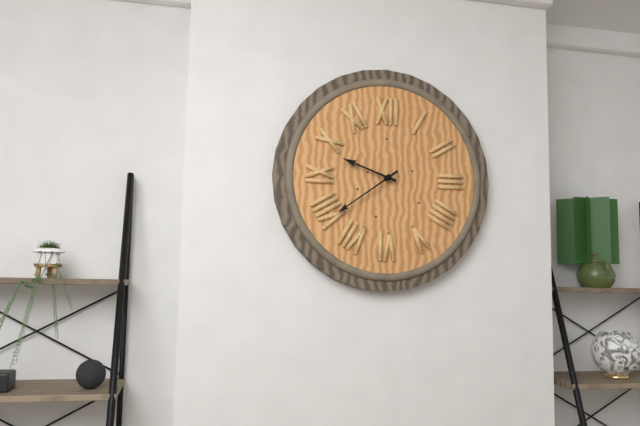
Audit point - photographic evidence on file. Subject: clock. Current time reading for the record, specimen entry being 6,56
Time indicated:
9,39
